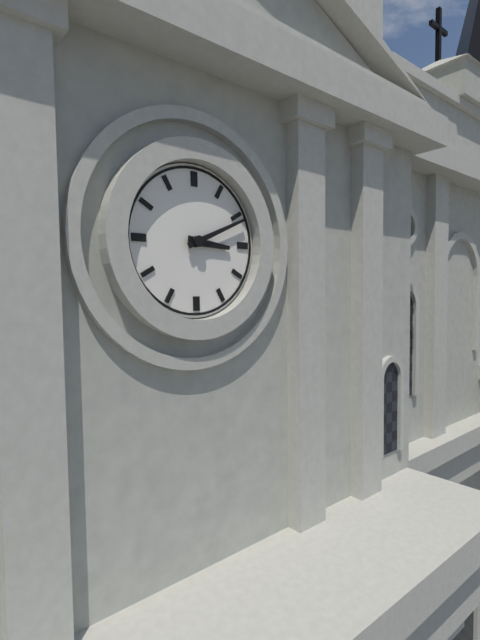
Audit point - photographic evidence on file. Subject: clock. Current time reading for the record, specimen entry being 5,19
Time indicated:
3,11
